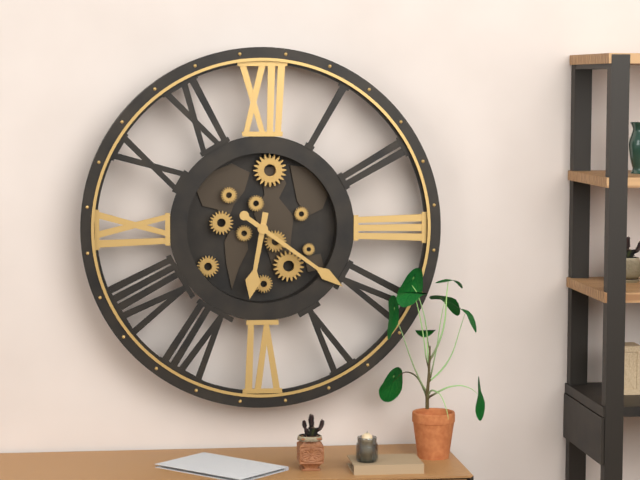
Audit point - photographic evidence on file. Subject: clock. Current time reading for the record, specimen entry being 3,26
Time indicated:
6,21
